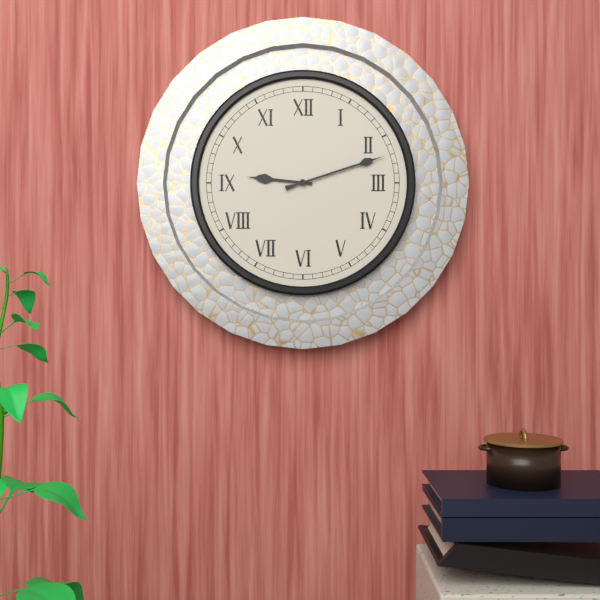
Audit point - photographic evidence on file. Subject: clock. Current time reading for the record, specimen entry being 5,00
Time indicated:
9,12
